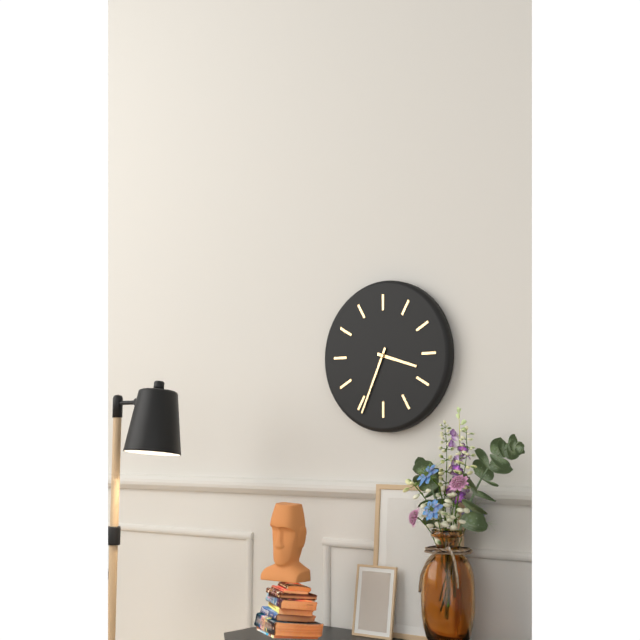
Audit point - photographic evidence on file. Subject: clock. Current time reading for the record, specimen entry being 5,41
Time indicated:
3,34
